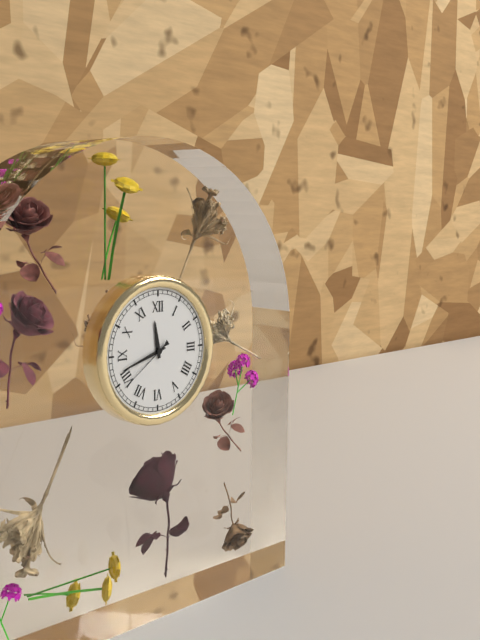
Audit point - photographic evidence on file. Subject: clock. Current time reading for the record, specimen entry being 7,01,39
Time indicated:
11,42,39
